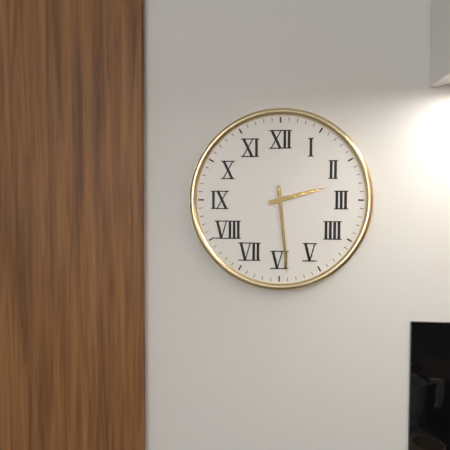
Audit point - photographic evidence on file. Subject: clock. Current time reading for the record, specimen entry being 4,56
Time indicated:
2,29
